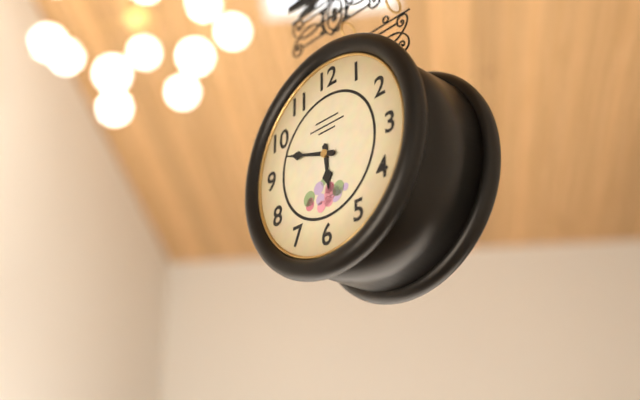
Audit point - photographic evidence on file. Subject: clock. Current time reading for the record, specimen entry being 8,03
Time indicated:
5,48
